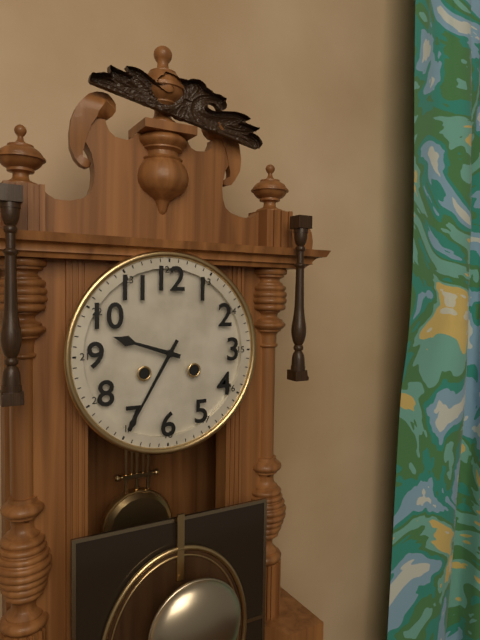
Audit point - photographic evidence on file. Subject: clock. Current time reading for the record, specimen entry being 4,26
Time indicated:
9,35
